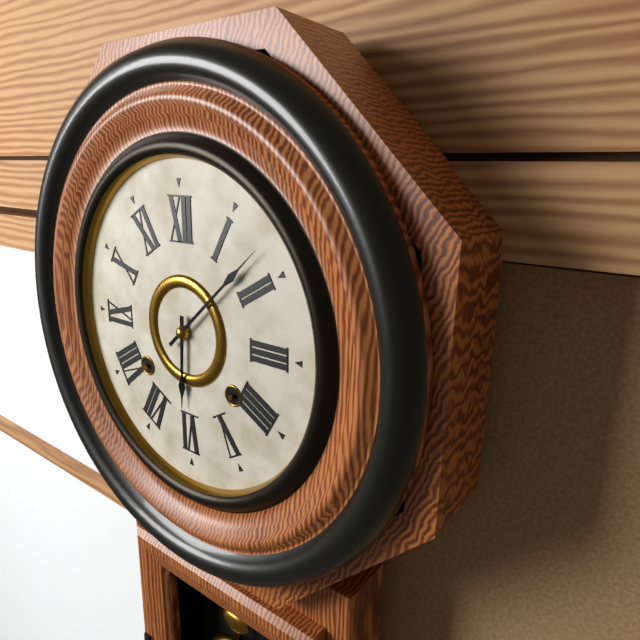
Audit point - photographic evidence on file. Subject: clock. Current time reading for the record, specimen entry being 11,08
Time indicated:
6,08
